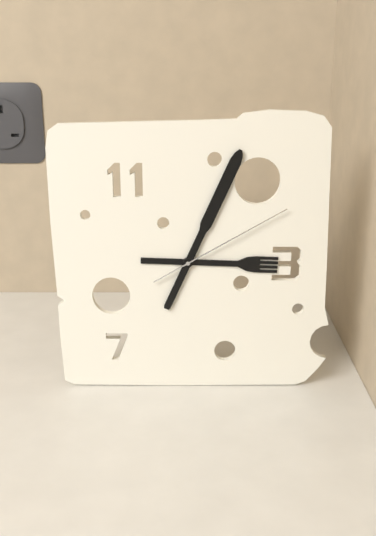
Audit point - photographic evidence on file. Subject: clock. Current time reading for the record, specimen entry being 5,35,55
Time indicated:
3,04,10
